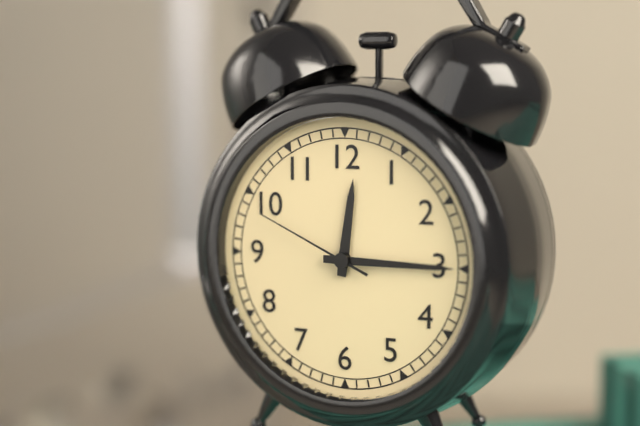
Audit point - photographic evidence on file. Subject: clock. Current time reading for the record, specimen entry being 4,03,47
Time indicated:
12,15,49
